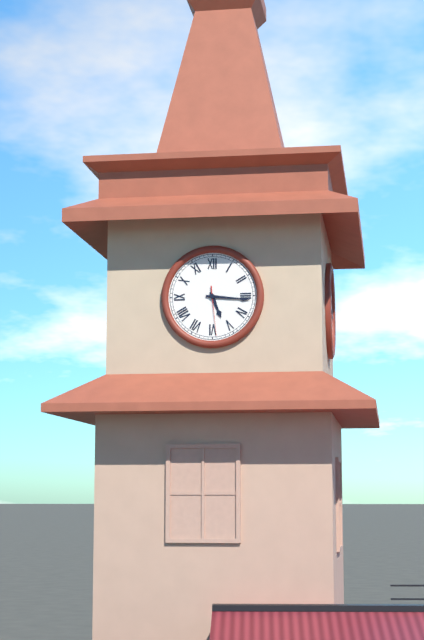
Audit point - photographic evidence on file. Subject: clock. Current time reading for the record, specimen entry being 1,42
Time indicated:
5,16
